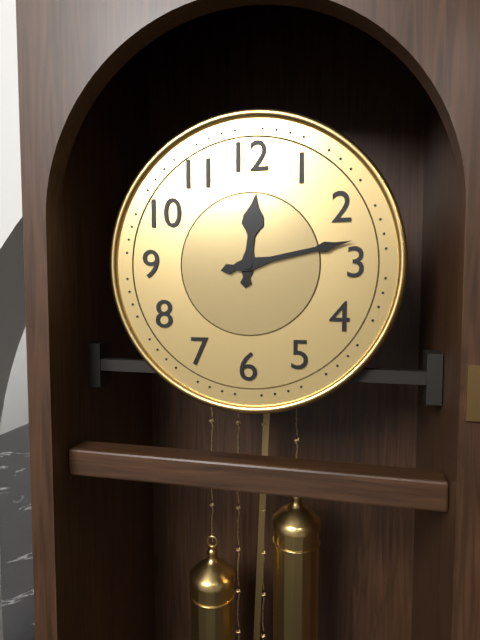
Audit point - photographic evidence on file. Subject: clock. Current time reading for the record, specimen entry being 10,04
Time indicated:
12,13
